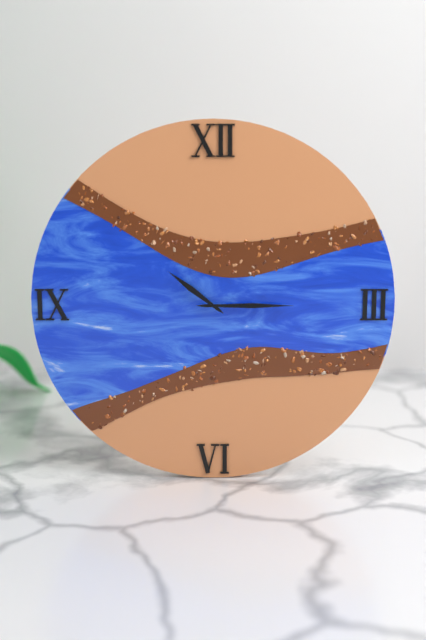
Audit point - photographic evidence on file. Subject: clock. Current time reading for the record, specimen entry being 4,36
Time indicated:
10,15
